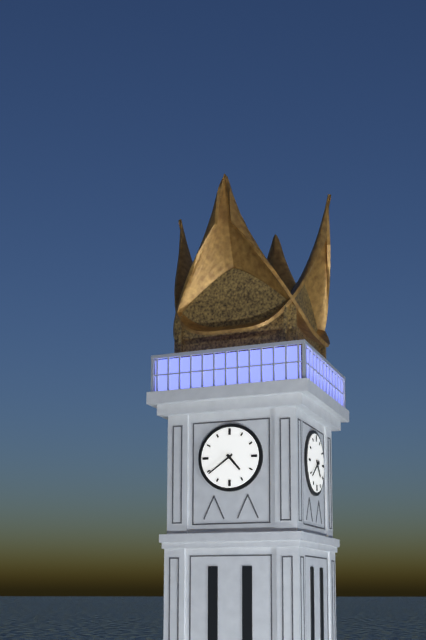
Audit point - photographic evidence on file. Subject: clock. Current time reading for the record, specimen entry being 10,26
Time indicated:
4,39
